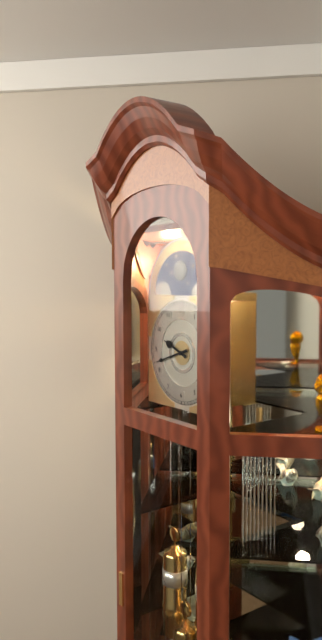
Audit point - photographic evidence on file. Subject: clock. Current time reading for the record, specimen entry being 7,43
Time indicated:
9,42
